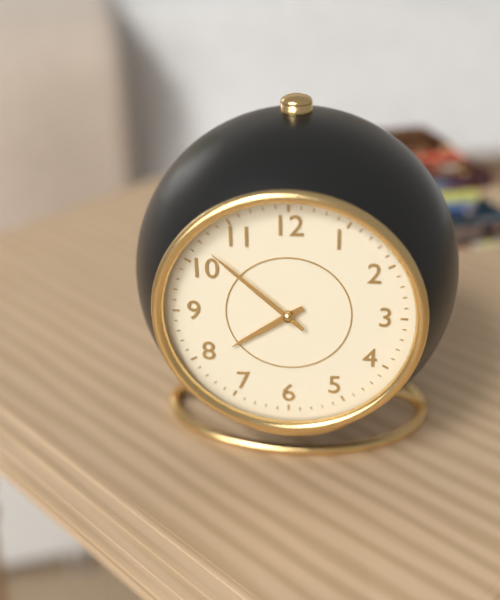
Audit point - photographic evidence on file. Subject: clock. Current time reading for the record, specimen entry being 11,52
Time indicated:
7,52
